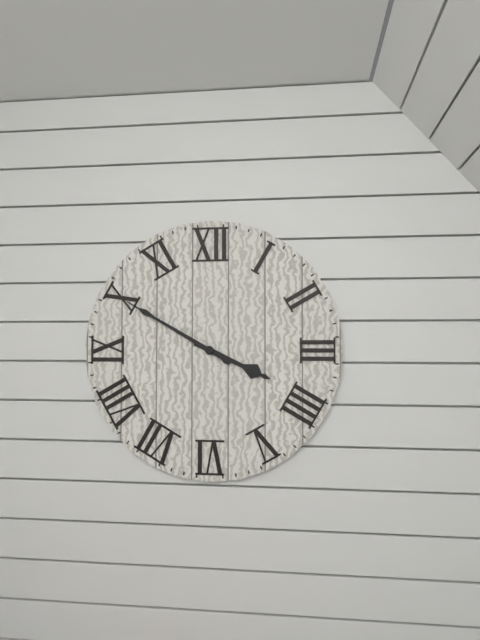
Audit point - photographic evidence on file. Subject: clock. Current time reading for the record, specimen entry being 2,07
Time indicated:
3,50
